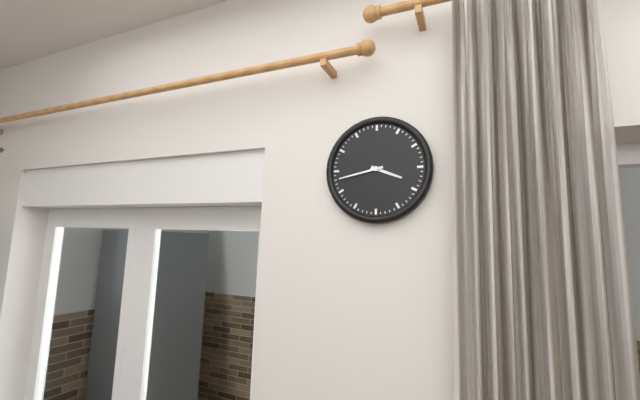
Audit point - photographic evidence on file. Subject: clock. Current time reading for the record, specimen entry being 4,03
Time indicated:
3,43
